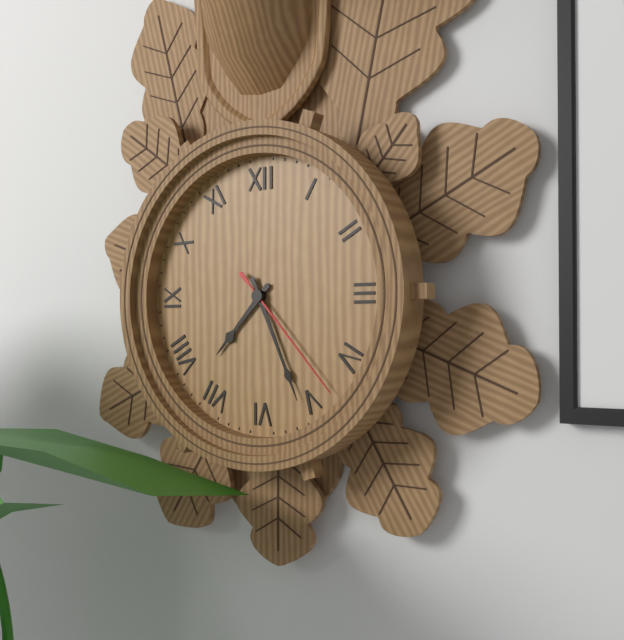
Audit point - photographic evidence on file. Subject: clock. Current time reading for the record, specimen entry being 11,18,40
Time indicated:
7,26,23
